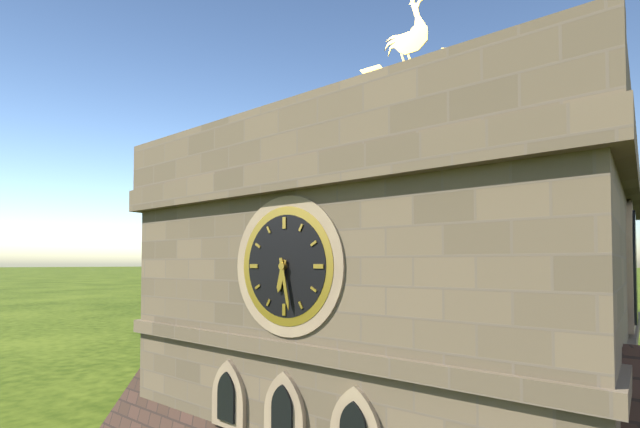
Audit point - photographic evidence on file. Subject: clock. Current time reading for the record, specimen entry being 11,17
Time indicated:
6,28
